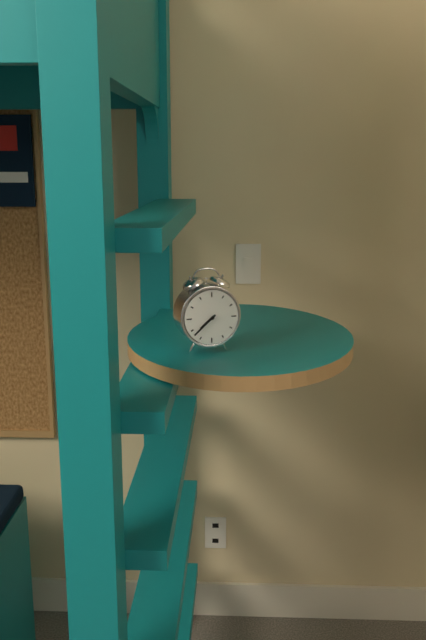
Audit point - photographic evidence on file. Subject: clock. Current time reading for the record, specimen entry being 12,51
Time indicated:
7,38
